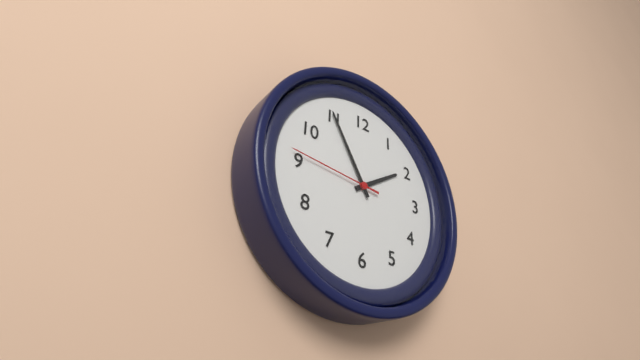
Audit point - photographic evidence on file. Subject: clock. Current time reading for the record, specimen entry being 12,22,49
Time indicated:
1,55,46
